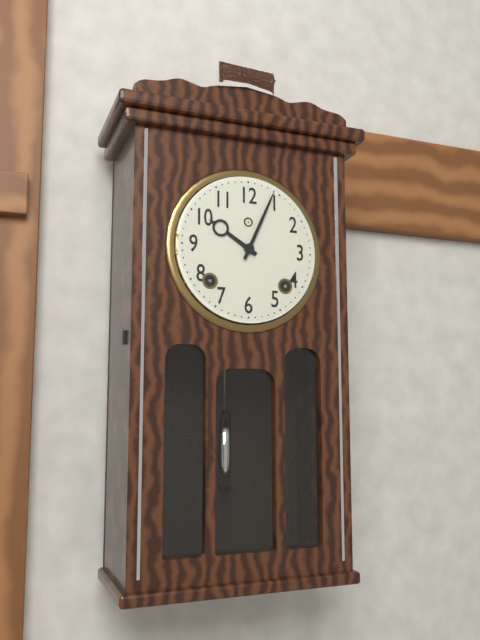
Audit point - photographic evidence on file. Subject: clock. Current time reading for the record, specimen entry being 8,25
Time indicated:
10,04
